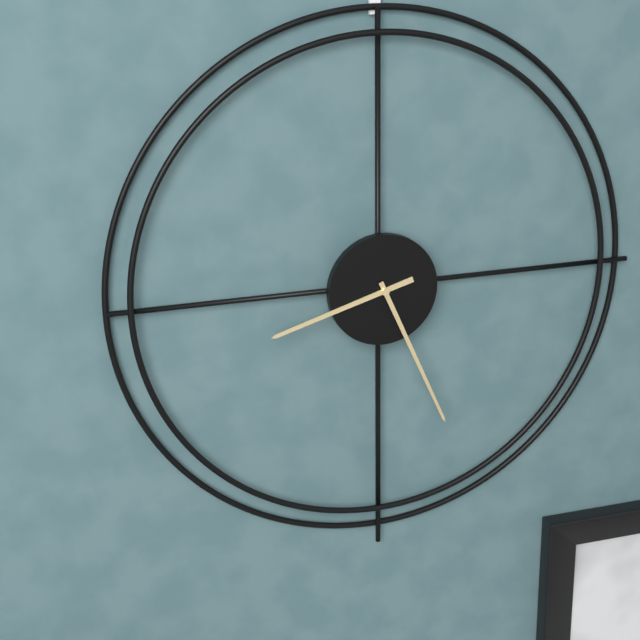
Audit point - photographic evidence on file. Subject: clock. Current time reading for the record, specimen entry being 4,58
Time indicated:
8,26
